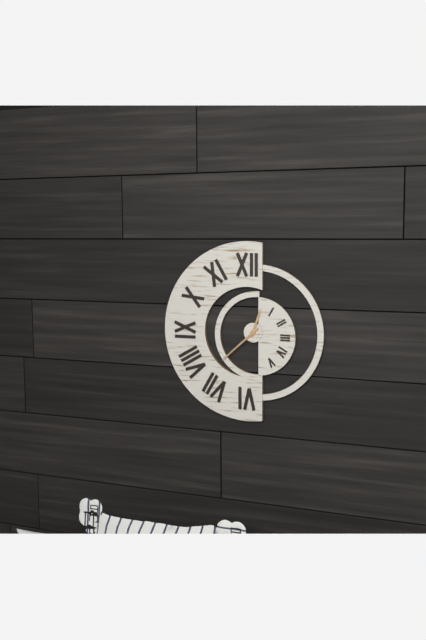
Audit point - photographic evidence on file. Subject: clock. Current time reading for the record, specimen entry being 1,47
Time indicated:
12,38
